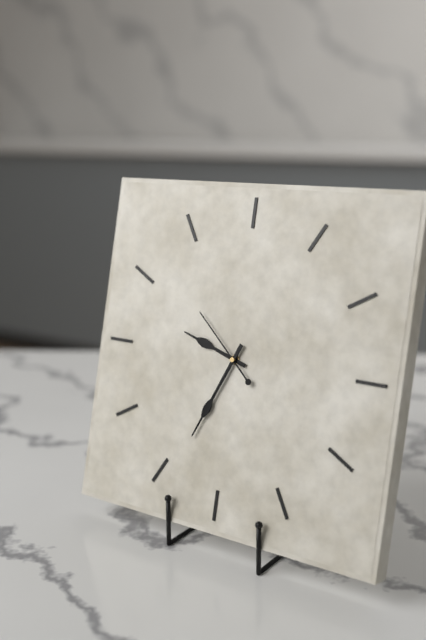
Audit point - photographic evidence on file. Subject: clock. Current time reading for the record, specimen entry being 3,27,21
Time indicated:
9,34,52
